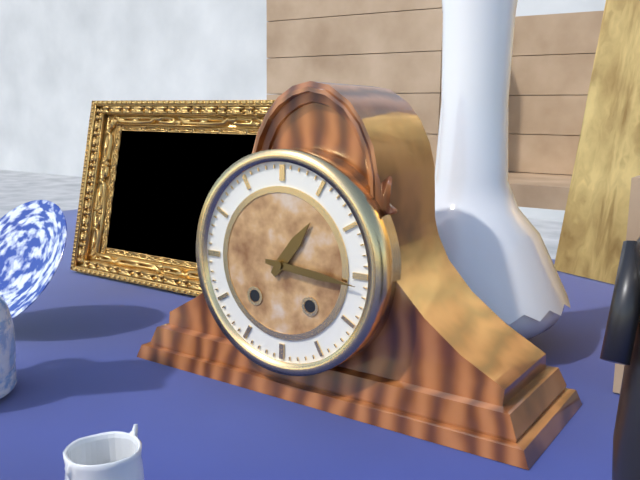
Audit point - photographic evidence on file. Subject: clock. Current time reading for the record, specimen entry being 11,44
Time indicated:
1,16
